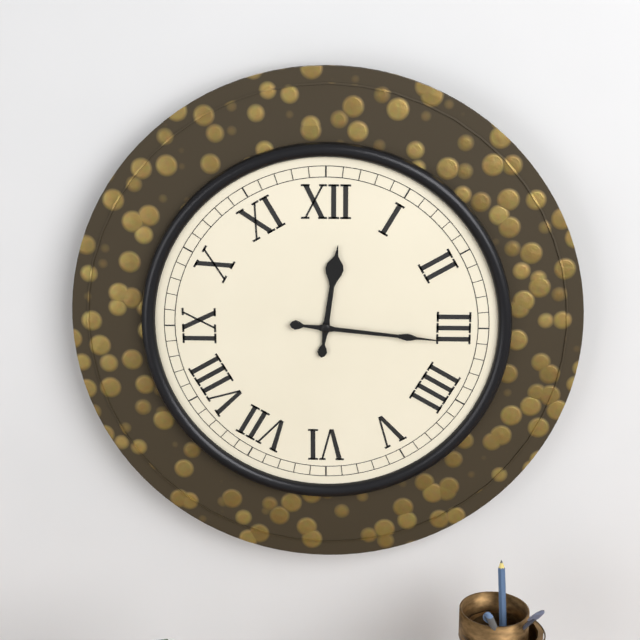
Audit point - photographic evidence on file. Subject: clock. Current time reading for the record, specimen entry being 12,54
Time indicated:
12,16
